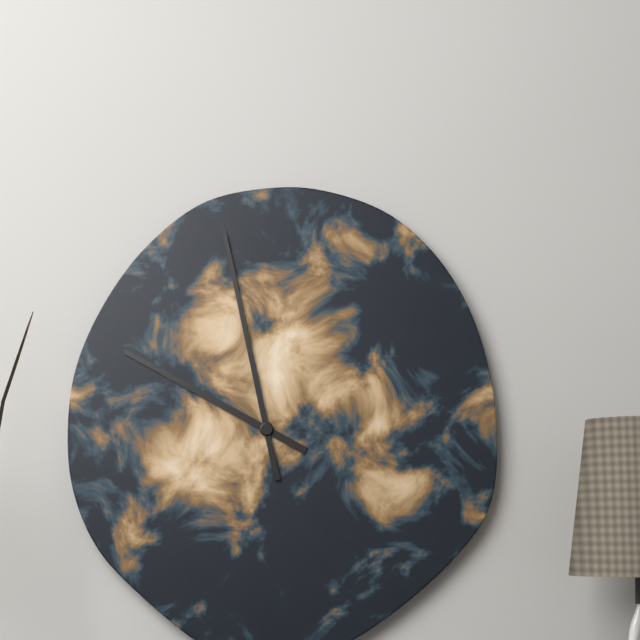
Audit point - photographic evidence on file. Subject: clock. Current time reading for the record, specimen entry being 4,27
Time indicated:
9,58
